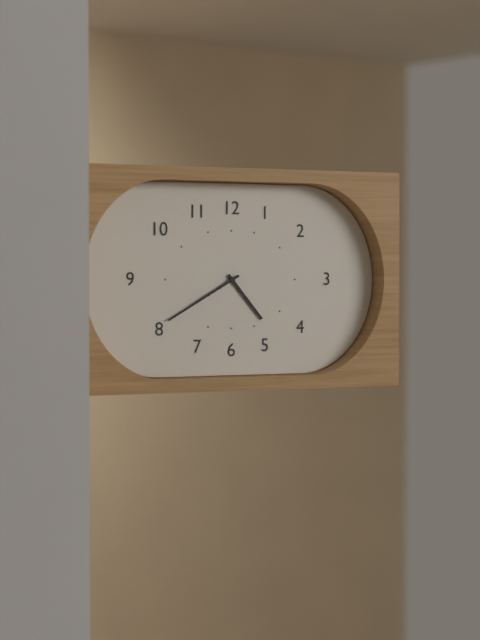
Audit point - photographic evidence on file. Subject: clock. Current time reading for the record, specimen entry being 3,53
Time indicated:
4,40
